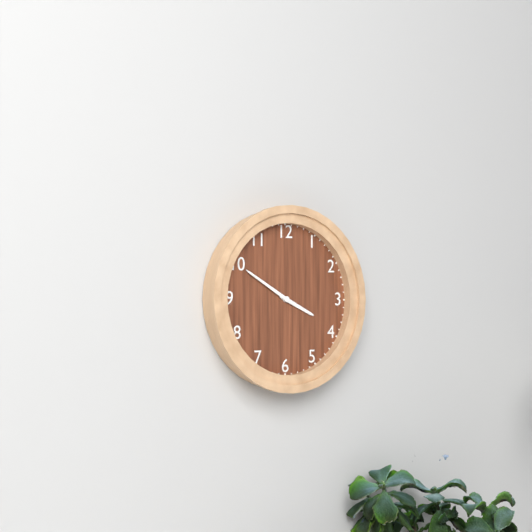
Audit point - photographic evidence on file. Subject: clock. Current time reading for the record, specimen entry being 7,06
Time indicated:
3,50
